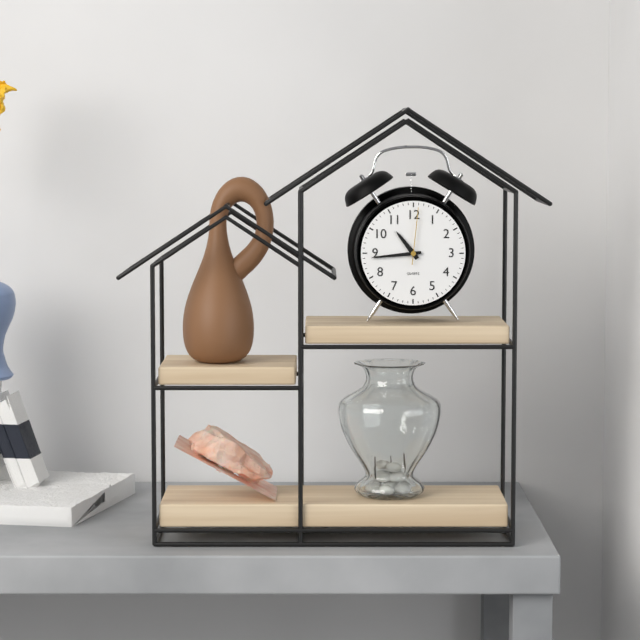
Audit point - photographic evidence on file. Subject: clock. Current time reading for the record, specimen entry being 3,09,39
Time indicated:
10,44,01
